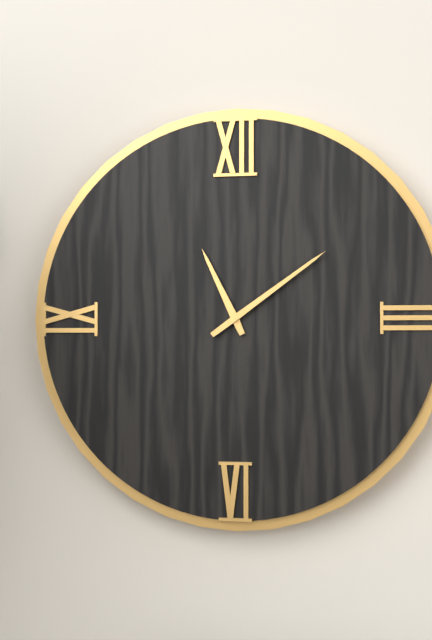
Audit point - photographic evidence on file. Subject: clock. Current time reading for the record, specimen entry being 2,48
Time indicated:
11,09
